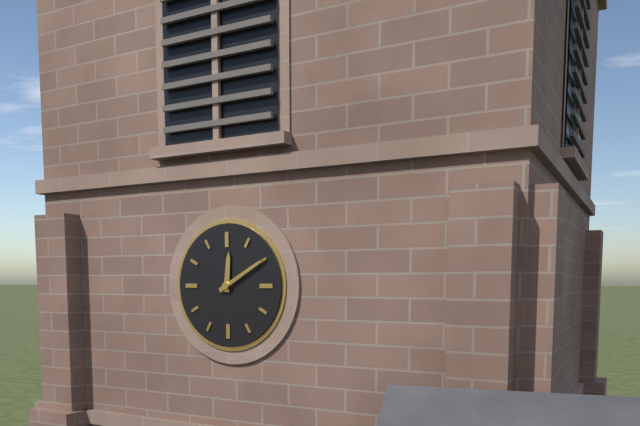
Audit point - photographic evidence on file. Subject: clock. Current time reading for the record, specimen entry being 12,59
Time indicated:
12,10
